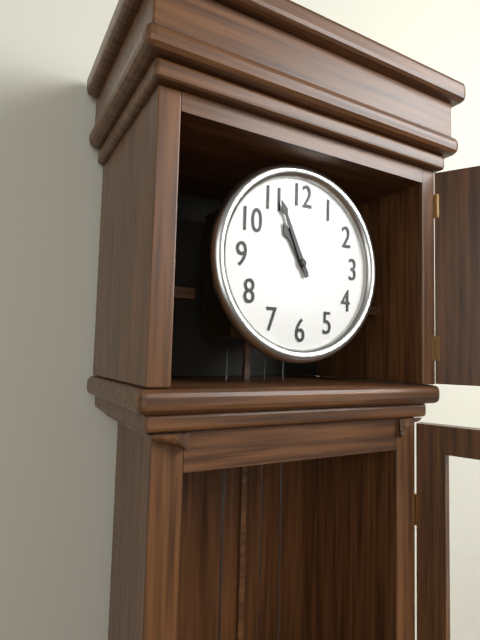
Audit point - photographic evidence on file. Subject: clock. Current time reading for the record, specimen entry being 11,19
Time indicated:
10,56
